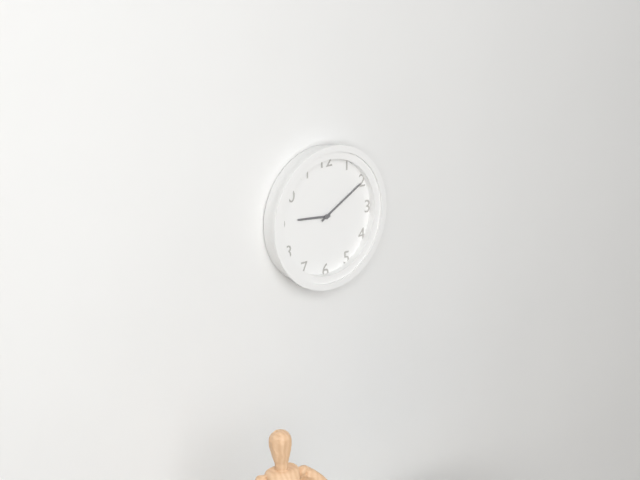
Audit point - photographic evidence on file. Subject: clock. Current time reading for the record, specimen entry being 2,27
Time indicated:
9,10
